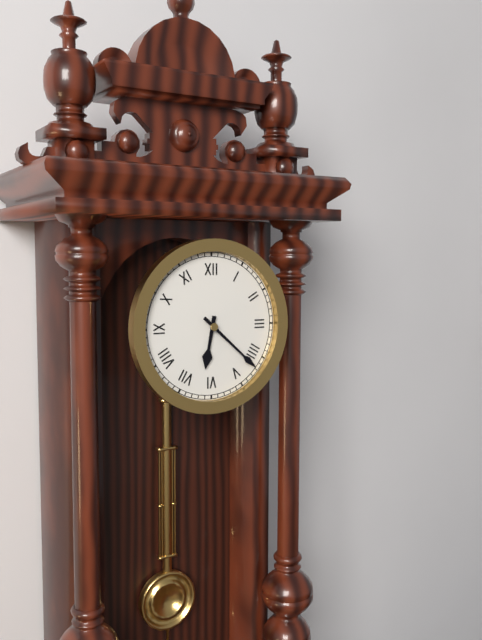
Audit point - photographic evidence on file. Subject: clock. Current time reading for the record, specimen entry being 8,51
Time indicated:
6,22
